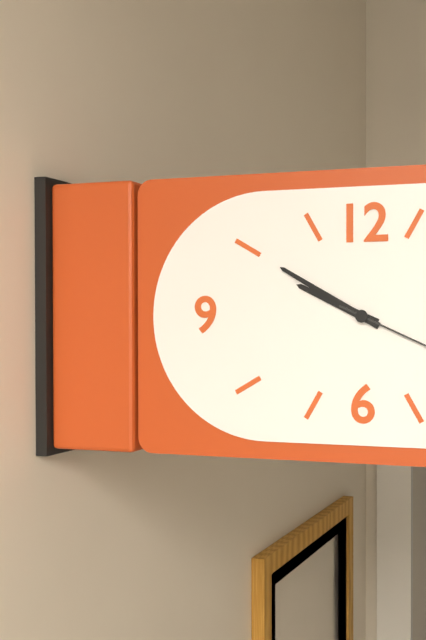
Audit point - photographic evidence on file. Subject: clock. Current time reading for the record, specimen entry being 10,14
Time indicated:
9,50
